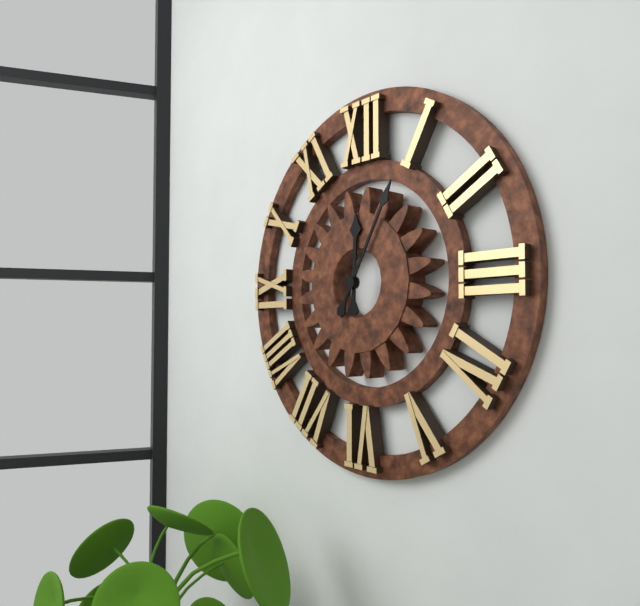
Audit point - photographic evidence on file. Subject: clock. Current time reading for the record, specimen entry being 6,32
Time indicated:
12,05
